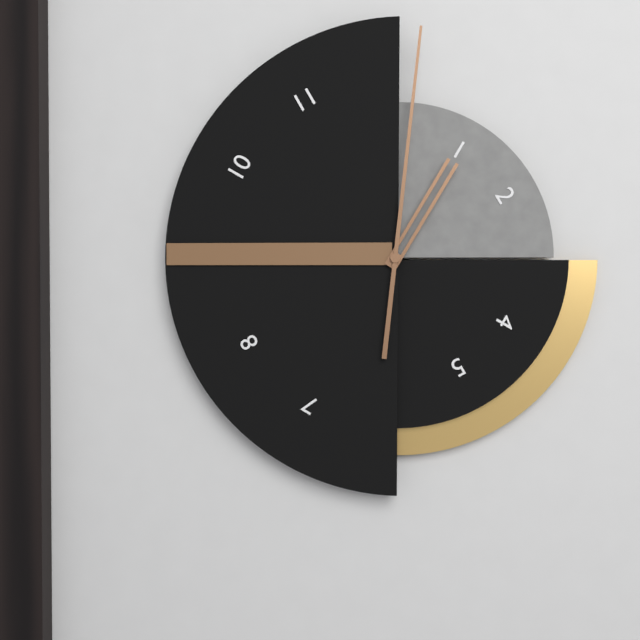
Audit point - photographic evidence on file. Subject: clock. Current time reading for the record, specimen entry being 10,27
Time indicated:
1,01
